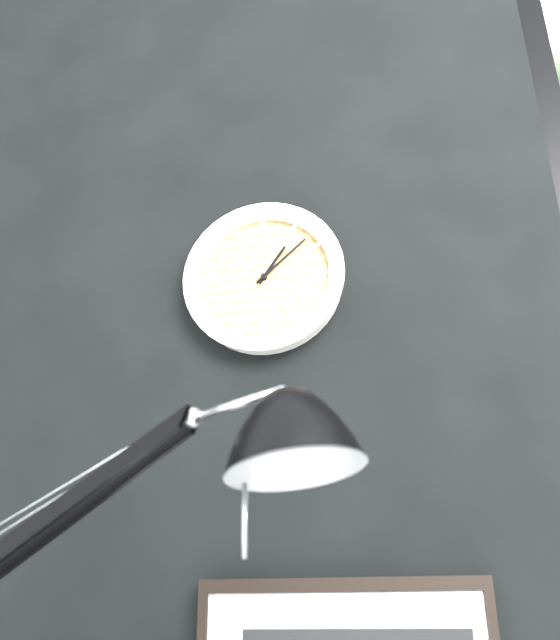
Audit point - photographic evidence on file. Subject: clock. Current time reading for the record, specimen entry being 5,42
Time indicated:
1,08
